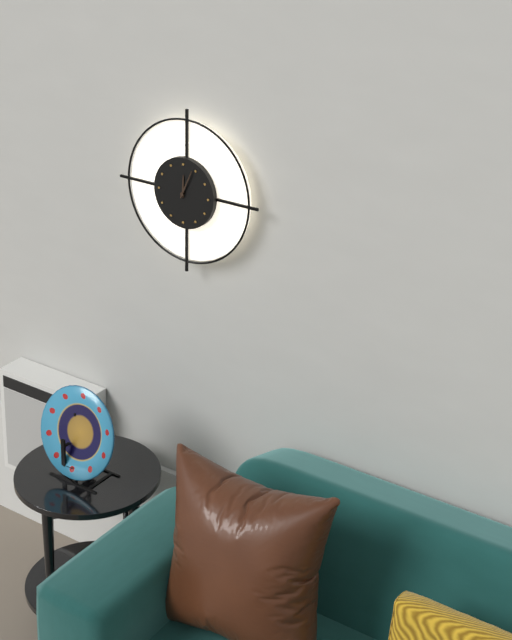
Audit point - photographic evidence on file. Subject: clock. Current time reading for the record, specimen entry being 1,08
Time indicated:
12,04
